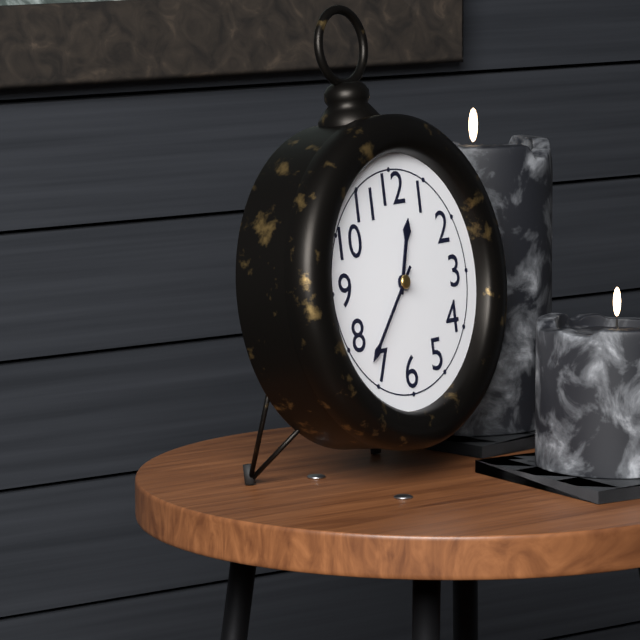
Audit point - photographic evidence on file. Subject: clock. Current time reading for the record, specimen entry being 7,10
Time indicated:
12,37
